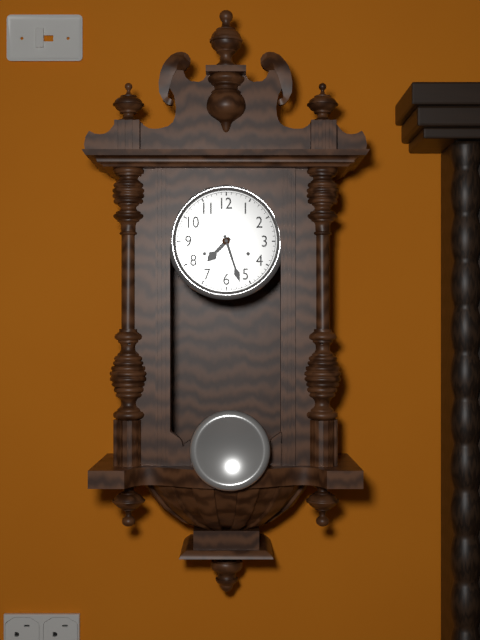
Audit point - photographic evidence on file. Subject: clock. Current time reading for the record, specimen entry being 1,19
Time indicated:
7,27
